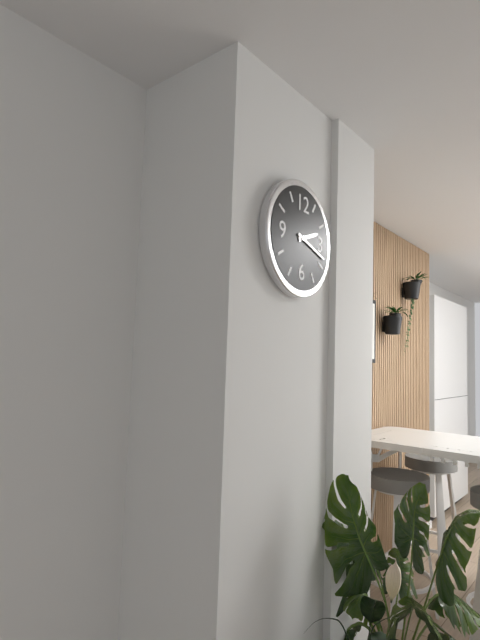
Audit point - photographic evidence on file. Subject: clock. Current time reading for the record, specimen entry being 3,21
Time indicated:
2,18
